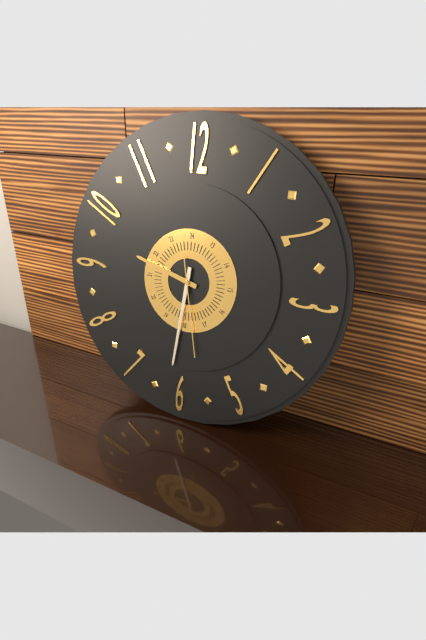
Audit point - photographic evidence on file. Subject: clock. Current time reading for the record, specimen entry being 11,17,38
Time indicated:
9,31,28
